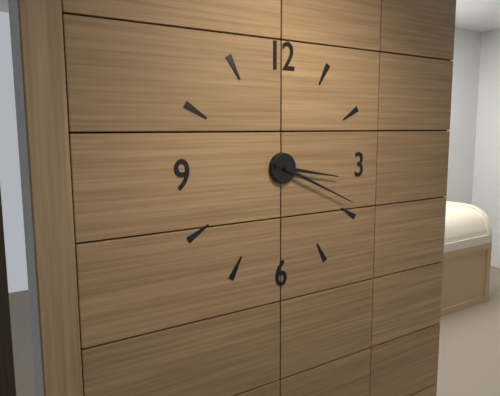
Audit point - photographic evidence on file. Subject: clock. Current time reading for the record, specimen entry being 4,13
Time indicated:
3,19
